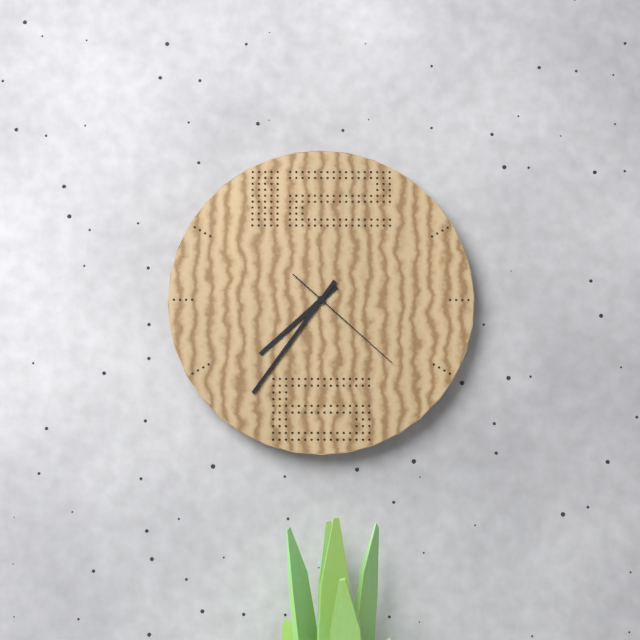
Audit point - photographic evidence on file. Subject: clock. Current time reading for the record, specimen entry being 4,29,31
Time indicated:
7,36,22
